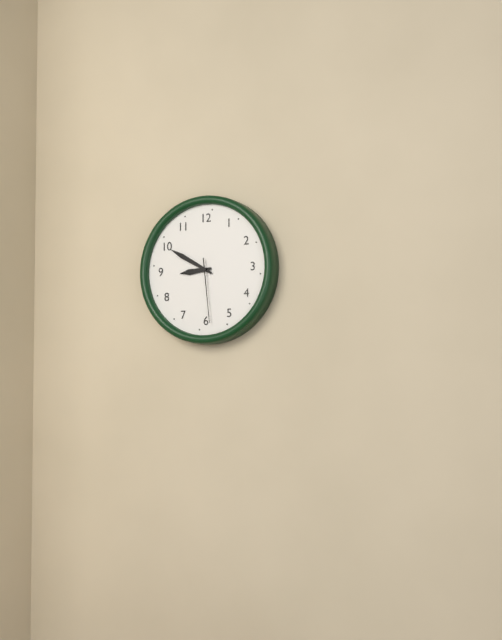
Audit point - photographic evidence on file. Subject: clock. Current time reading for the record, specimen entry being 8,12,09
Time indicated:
8,50,29
